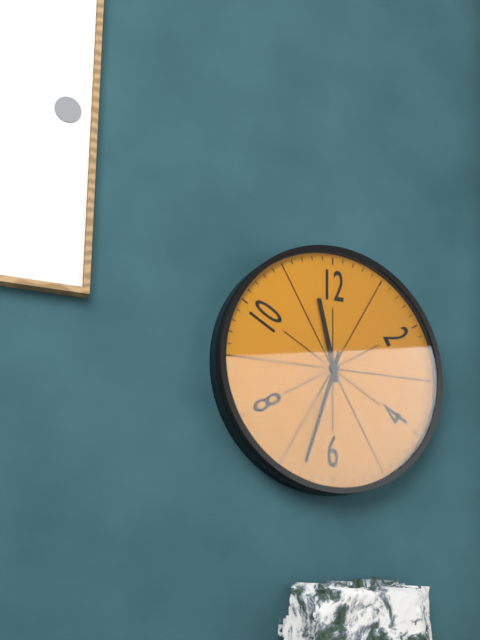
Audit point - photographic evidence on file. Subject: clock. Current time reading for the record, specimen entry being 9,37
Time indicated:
11,33
